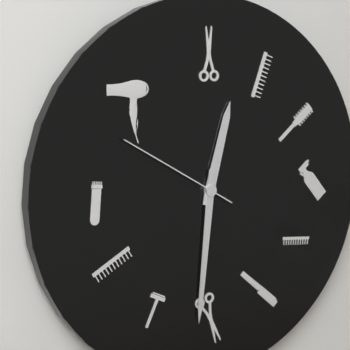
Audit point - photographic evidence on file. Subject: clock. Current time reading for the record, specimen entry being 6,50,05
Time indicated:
12,31,50
